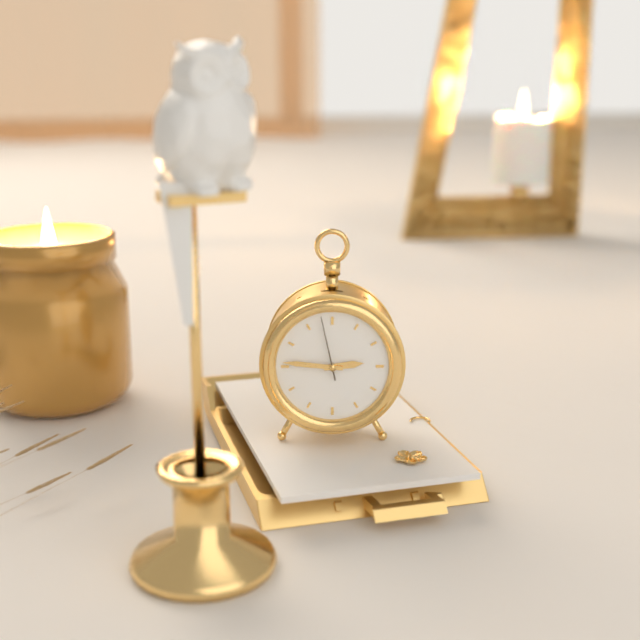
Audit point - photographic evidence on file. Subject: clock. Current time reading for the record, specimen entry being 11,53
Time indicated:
2,46
